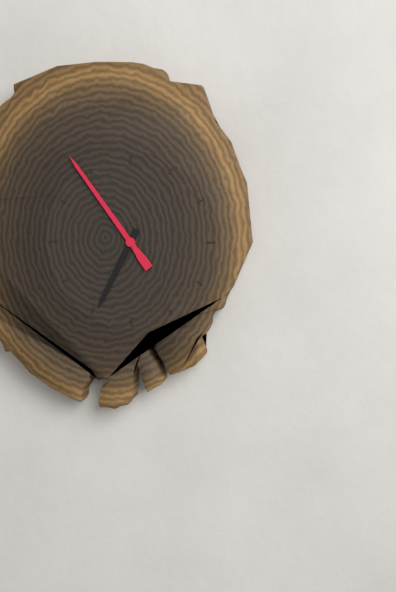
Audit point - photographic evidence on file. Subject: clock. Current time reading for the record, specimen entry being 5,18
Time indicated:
6,54
